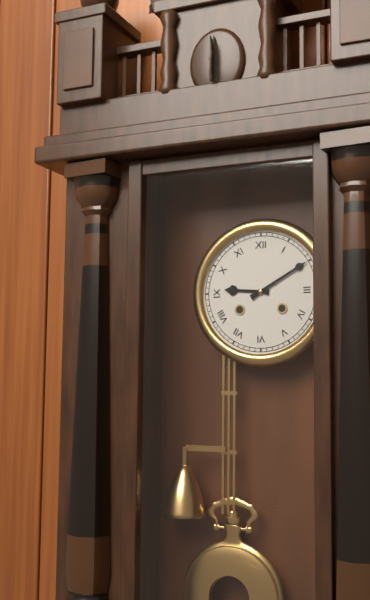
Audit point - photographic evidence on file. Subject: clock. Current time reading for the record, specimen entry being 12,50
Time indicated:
9,10
